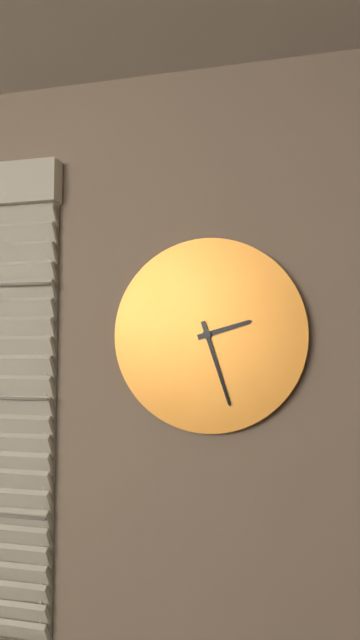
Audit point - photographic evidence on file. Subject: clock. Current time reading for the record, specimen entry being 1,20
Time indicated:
2,27
